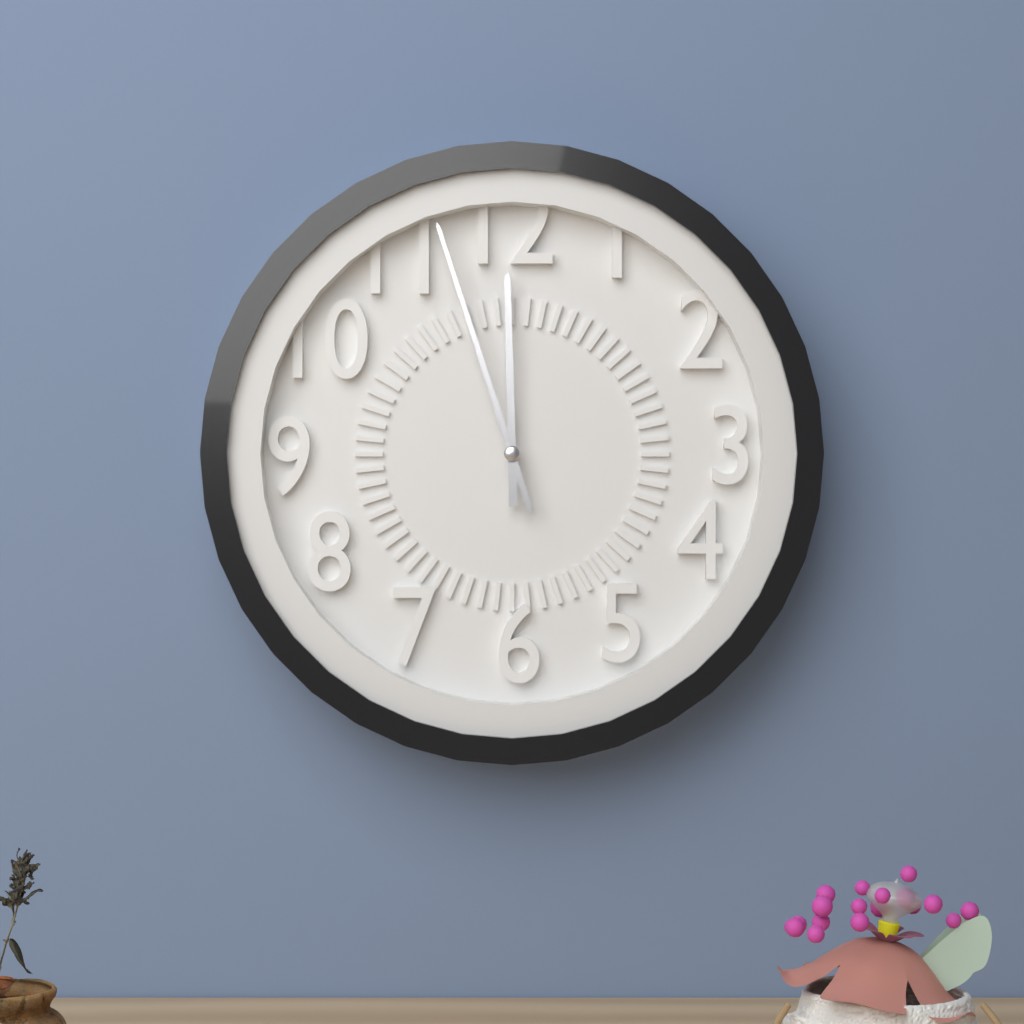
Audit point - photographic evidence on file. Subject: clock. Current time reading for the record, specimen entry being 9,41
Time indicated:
11,57
